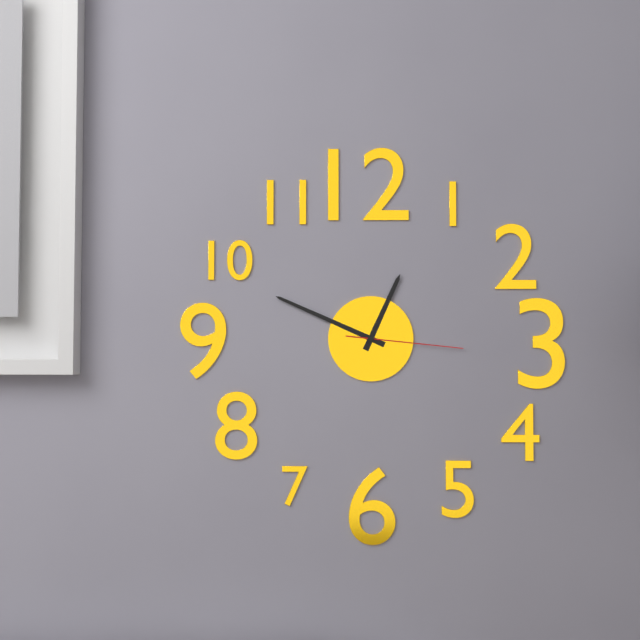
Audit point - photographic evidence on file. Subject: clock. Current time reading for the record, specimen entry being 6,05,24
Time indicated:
12,49,16
